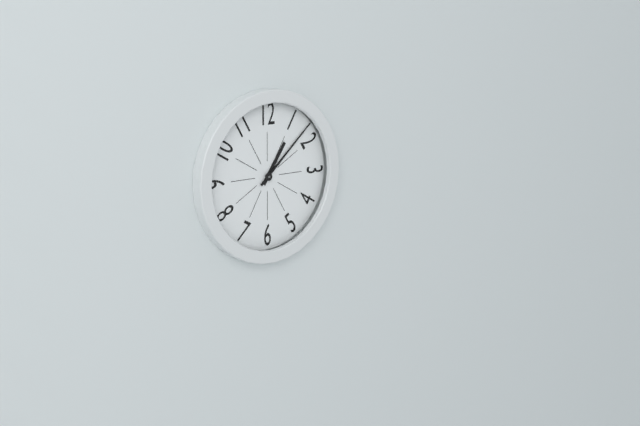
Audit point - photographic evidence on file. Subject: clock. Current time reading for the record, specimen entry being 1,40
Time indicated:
1,08
